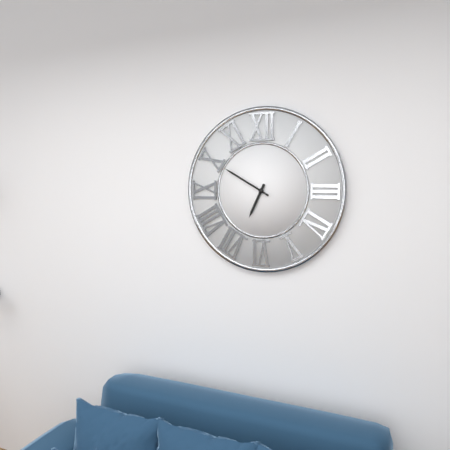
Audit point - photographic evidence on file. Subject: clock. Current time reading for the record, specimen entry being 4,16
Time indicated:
6,50
